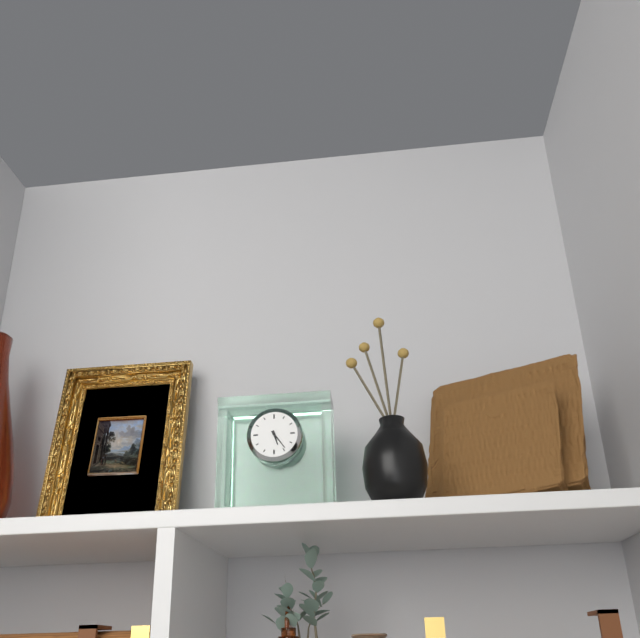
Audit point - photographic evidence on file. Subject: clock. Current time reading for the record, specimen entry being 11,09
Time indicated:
5,24
